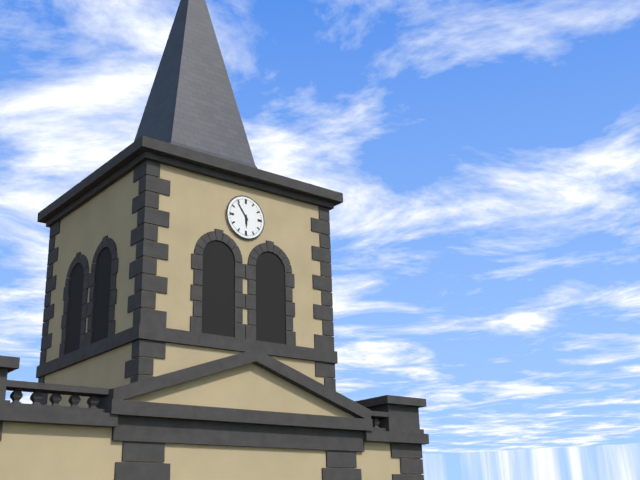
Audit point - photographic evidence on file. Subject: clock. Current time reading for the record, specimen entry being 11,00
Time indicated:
5,54
